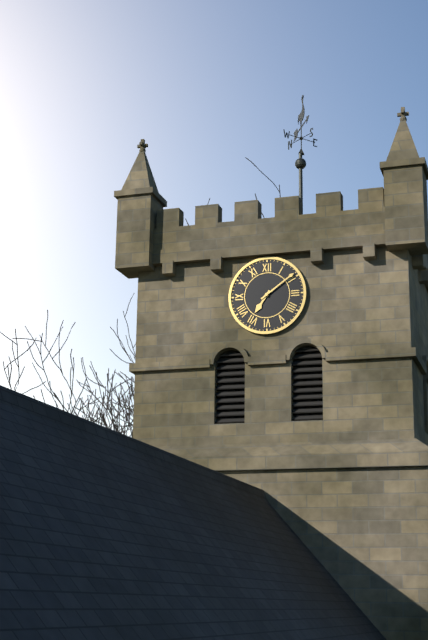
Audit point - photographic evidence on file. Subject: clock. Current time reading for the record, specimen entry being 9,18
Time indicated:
7,09
